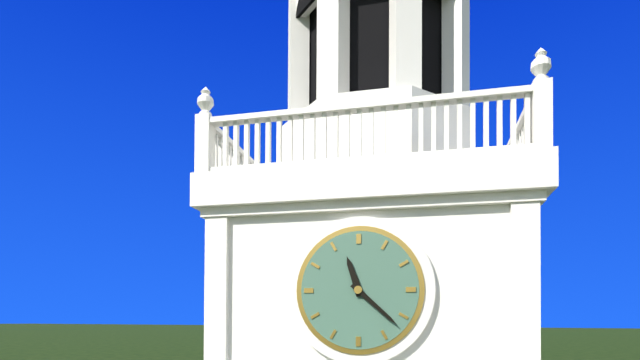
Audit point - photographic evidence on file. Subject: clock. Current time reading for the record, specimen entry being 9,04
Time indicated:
11,22
